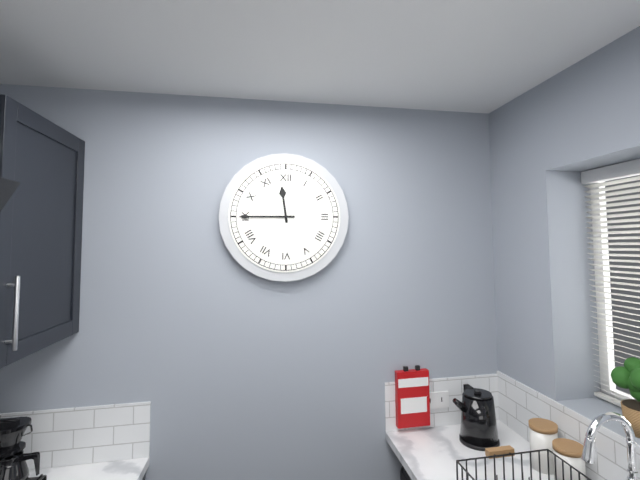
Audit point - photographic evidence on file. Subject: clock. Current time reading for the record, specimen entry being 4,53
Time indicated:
11,45
